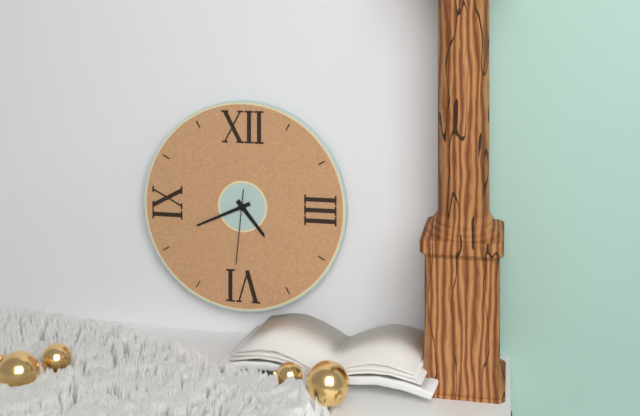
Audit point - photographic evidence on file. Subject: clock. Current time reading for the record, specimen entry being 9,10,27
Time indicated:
4,41,31
